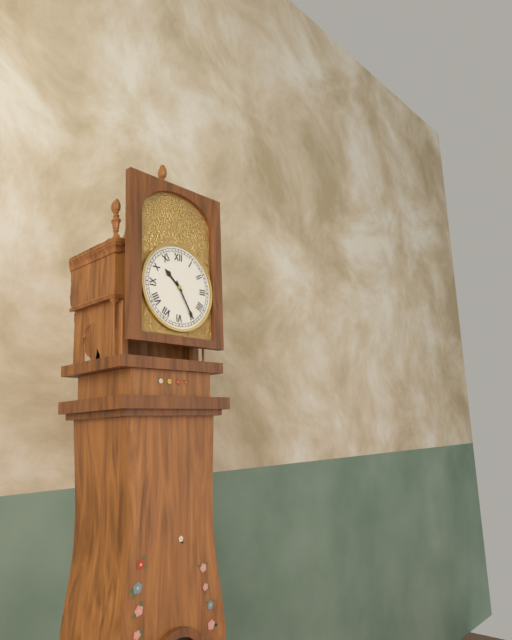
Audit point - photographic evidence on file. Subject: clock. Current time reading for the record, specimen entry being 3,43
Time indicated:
10,25
